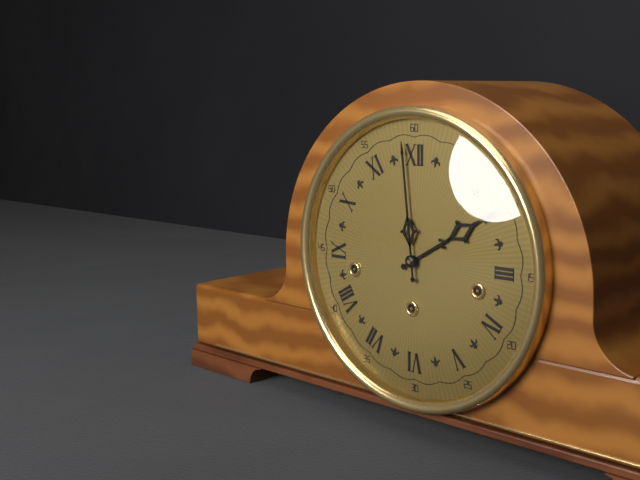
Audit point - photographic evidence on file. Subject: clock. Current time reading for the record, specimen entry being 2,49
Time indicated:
1,59
